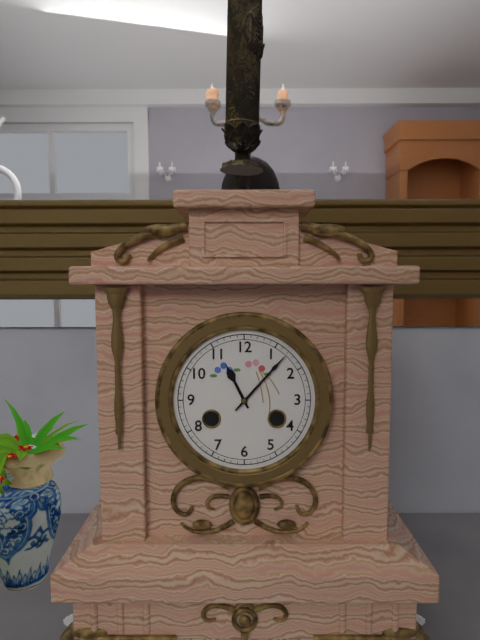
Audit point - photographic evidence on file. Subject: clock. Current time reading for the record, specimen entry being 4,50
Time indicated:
11,07
